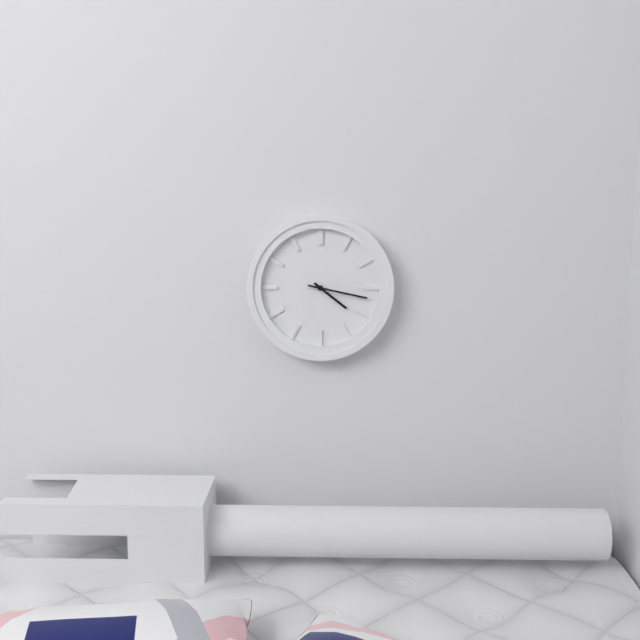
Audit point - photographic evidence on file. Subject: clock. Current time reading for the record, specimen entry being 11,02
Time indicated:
4,17
